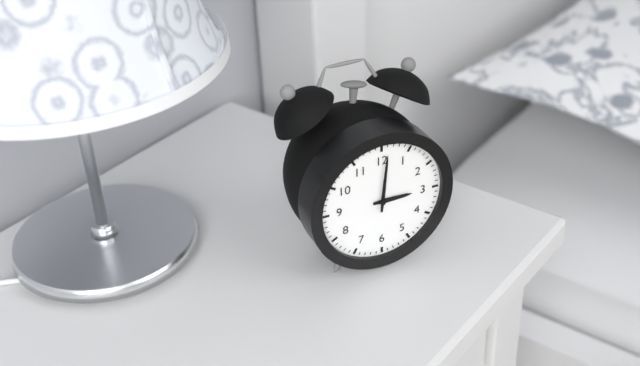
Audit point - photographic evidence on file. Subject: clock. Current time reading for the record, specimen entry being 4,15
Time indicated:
3,01
